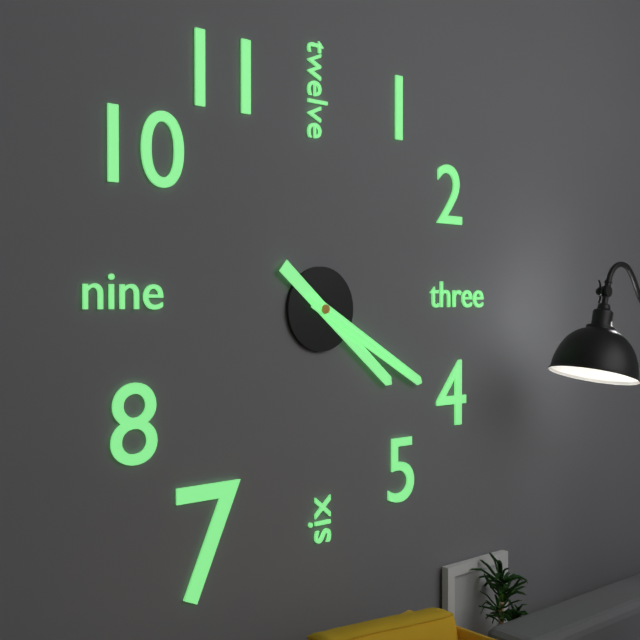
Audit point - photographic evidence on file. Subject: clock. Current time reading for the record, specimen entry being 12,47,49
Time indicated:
4,20,20
